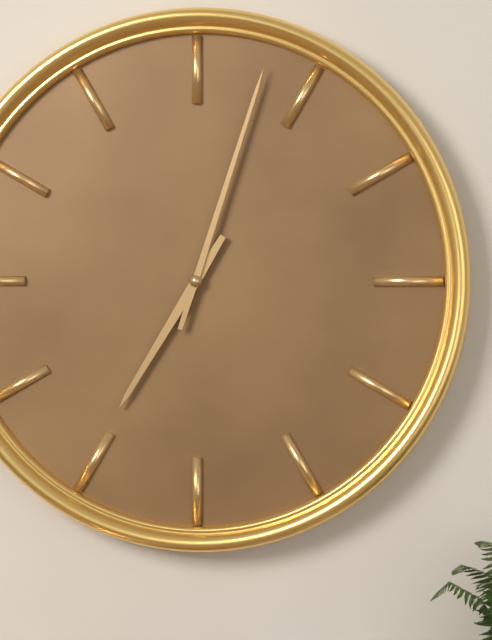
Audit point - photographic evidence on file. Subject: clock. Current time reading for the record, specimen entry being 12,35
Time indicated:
7,03
